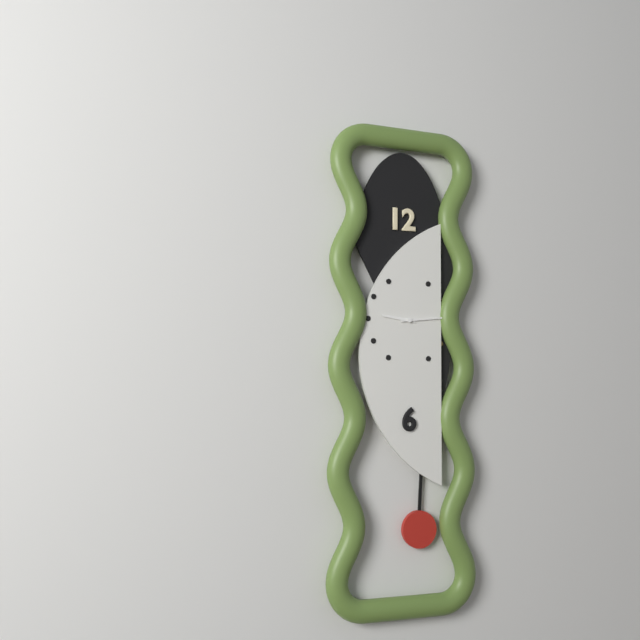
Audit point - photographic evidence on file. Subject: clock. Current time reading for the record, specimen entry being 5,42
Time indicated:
9,14
